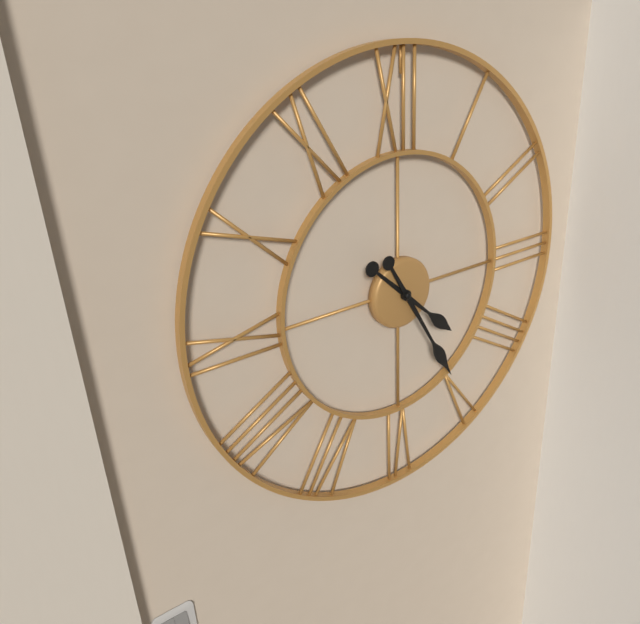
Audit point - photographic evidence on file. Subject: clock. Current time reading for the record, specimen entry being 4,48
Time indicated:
4,25
